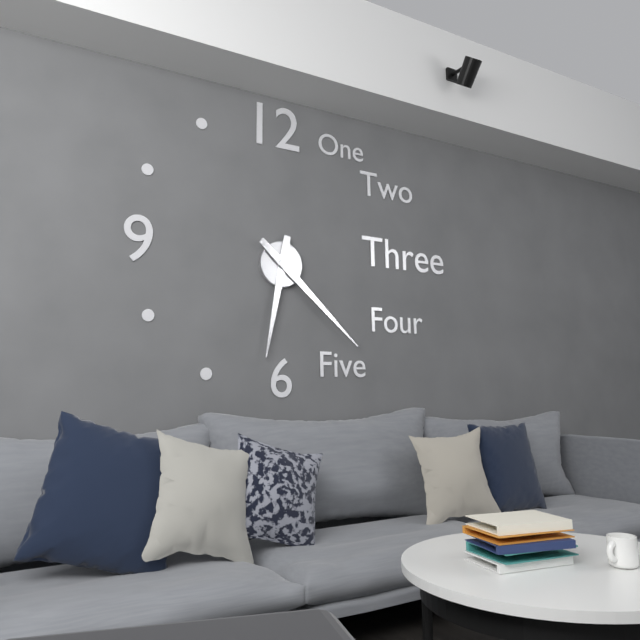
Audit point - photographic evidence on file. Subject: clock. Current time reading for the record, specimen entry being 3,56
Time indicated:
6,22
